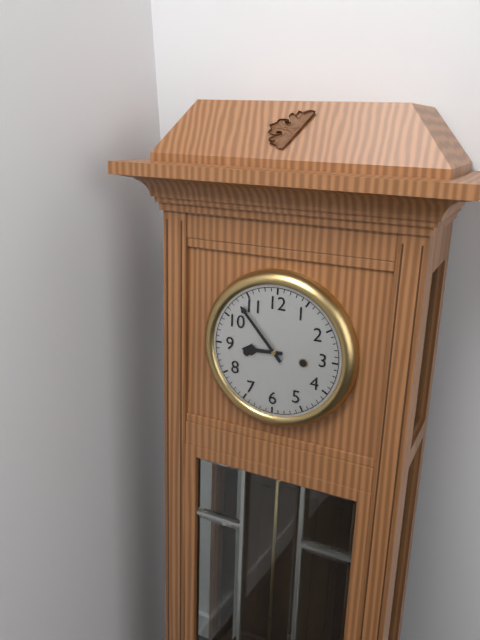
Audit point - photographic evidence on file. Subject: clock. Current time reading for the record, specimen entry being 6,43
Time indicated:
8,53
